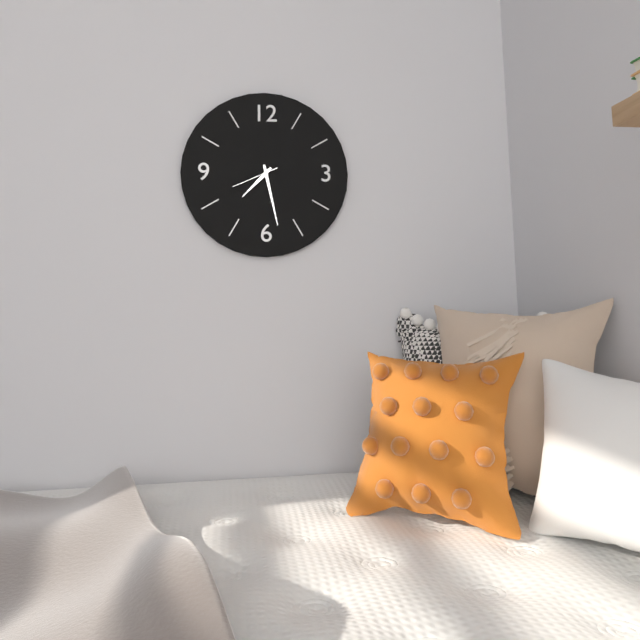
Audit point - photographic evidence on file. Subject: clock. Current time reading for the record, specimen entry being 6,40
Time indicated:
7,28
